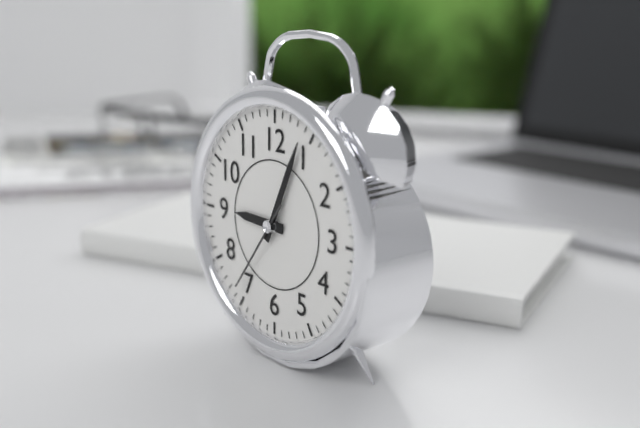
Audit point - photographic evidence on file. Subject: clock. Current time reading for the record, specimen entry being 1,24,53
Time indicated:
9,04,36
